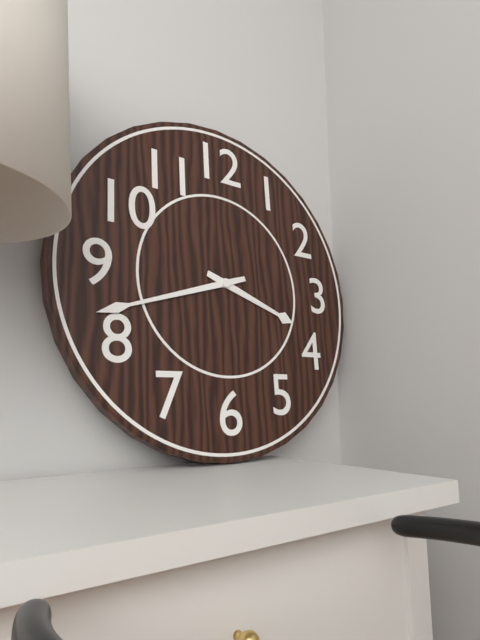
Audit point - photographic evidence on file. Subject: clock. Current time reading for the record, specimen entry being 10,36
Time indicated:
3,42
